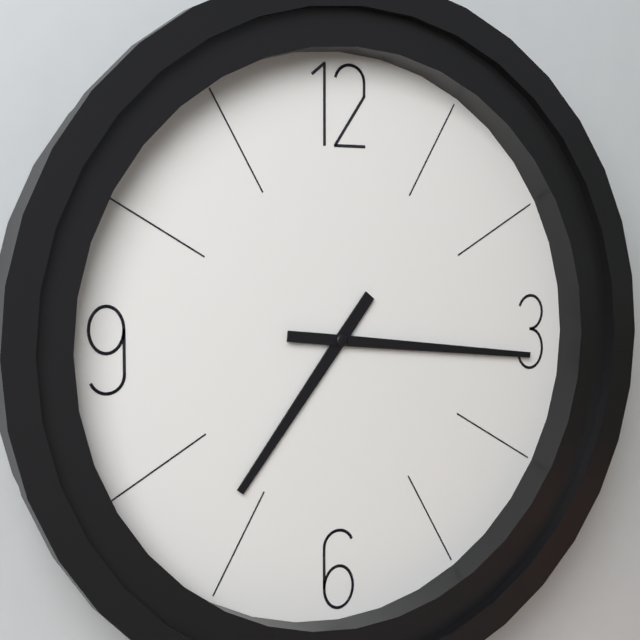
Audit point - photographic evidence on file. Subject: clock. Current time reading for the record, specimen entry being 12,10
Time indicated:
7,16
